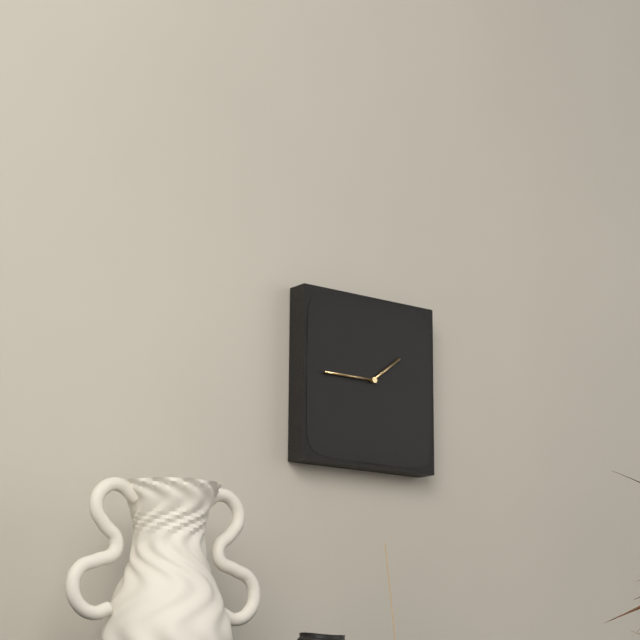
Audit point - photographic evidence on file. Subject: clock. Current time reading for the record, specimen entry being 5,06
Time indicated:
1,45
